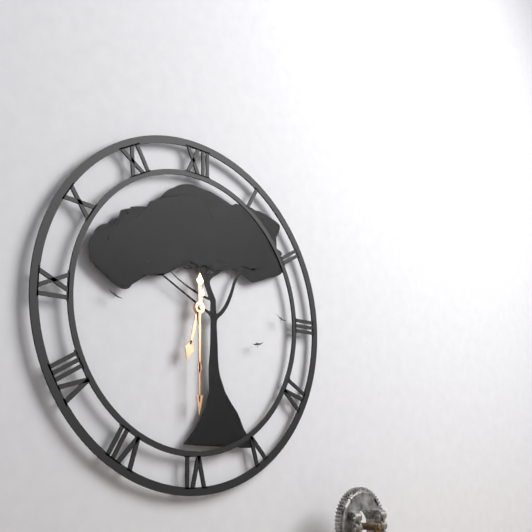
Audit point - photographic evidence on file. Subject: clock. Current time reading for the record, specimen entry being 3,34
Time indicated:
6,30
